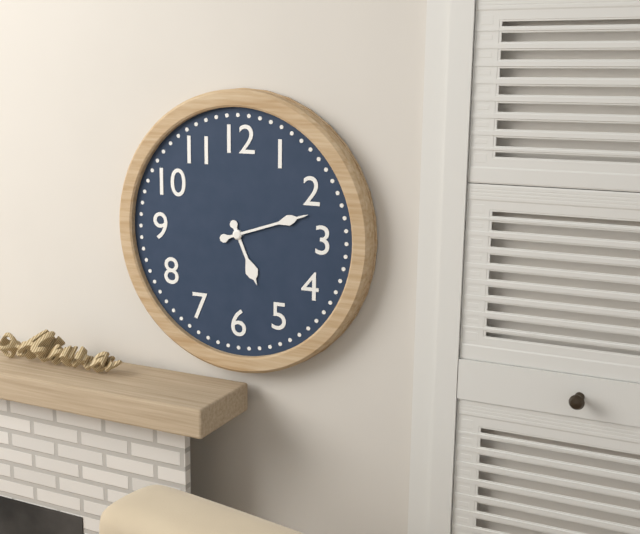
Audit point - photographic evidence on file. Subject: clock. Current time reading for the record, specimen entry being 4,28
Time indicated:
5,12
